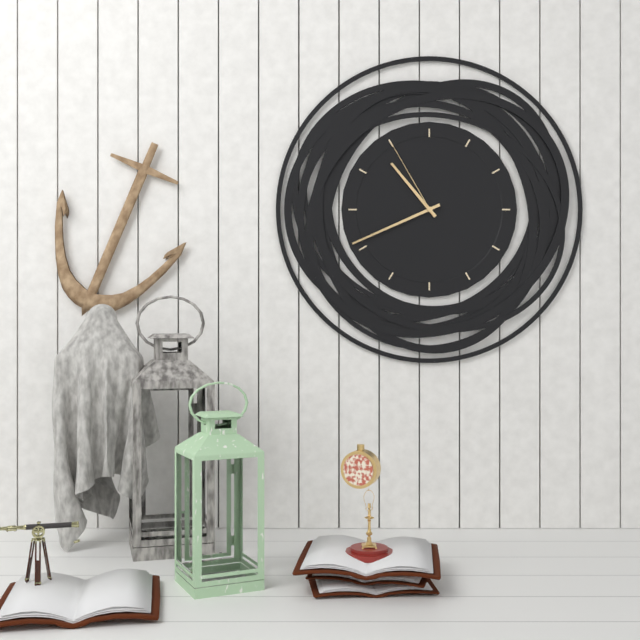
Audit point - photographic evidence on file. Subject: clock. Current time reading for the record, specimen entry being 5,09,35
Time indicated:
10,41,55
